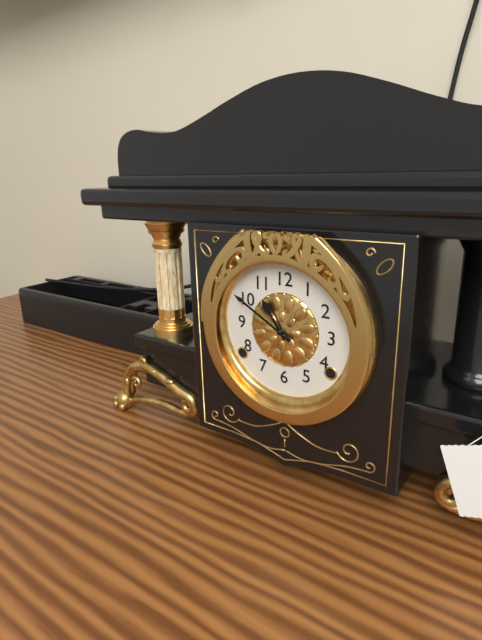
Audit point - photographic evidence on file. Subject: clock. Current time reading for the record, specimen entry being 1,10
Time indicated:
10,50
